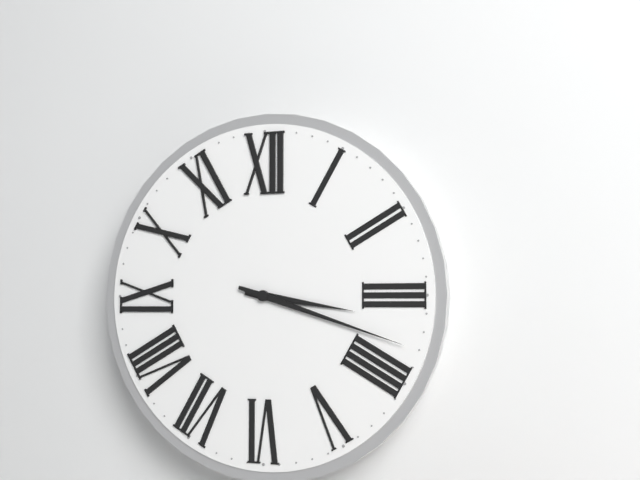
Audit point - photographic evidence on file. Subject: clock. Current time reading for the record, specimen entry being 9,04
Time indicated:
3,18
